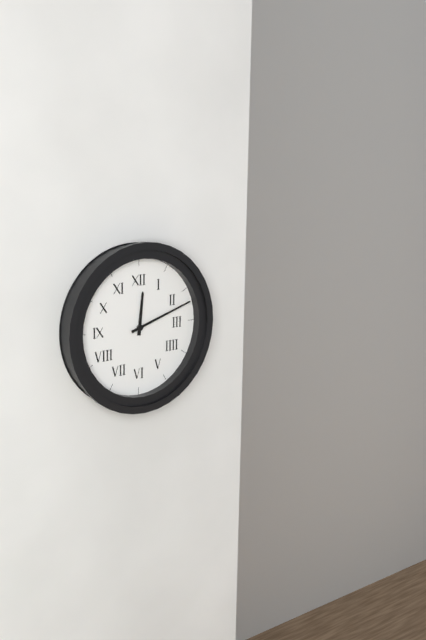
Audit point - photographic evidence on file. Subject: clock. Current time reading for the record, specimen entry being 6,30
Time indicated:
12,12
